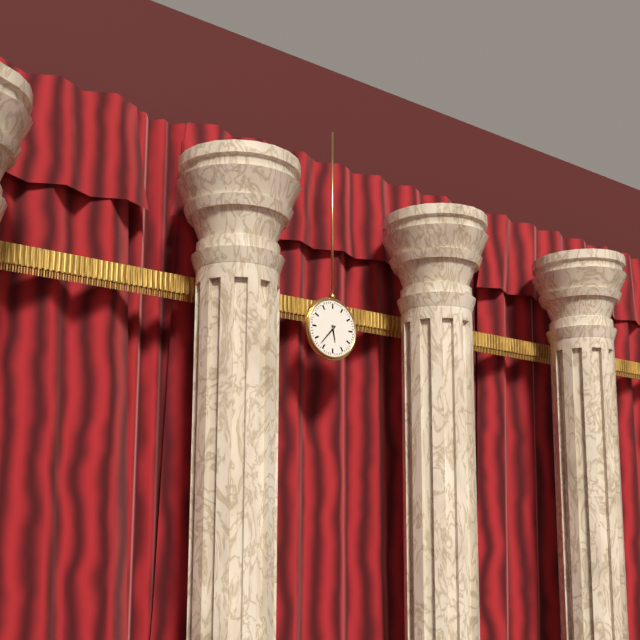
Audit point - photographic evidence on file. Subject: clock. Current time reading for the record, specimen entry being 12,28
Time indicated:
5,37
